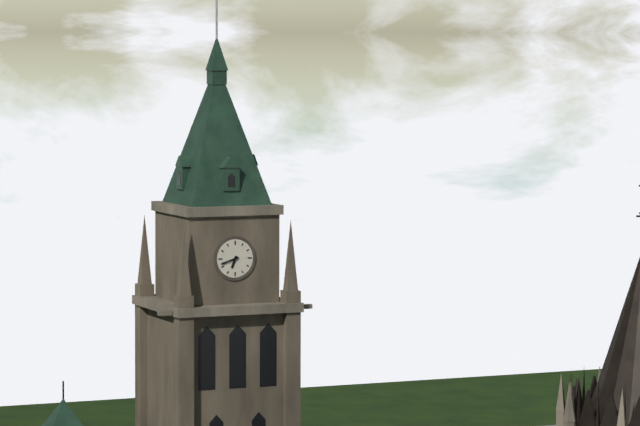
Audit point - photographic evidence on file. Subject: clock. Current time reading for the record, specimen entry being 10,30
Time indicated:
6,42
